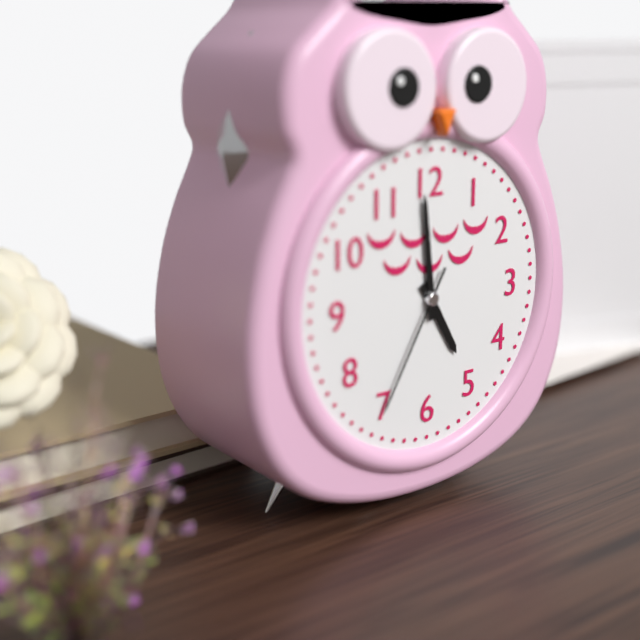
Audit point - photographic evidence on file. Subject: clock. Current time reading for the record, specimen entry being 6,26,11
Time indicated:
4,59,35
